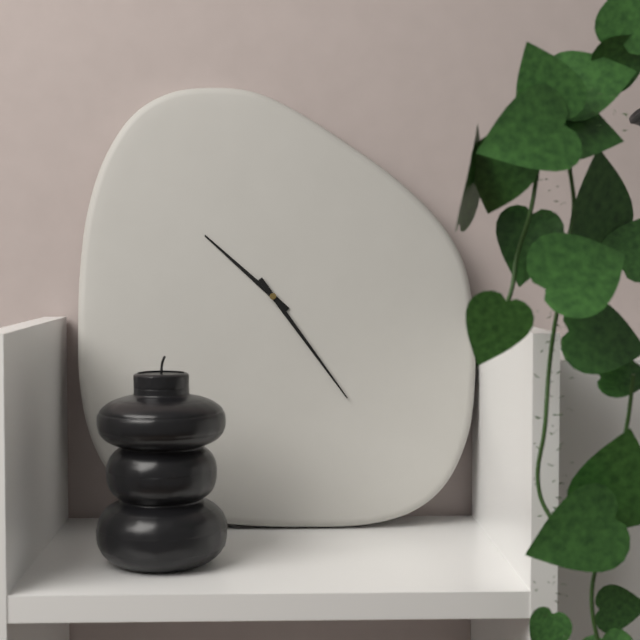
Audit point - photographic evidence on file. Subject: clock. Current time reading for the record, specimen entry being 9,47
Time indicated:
10,24
